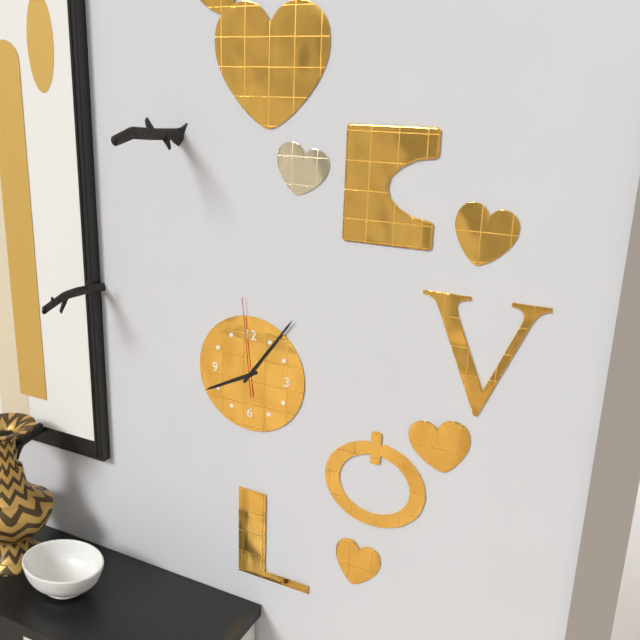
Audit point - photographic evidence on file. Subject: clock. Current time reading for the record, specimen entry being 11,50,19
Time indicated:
8,06,59
